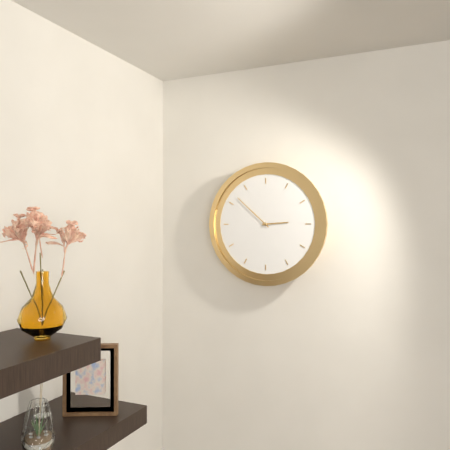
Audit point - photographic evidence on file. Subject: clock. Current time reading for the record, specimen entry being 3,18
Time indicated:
2,52
